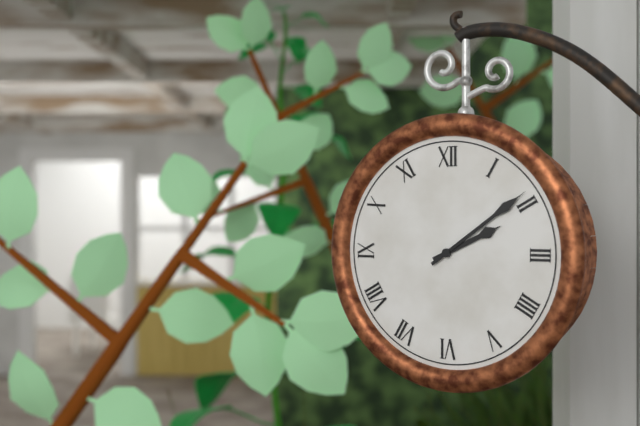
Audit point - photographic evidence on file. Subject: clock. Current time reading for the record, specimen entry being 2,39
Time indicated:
2,09
